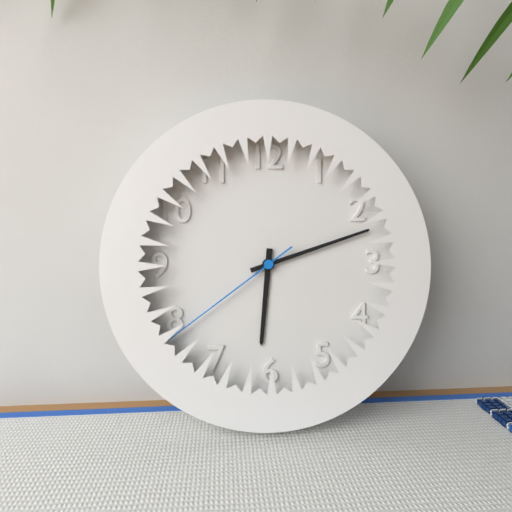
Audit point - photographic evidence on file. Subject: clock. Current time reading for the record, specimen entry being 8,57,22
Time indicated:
6,12,39
